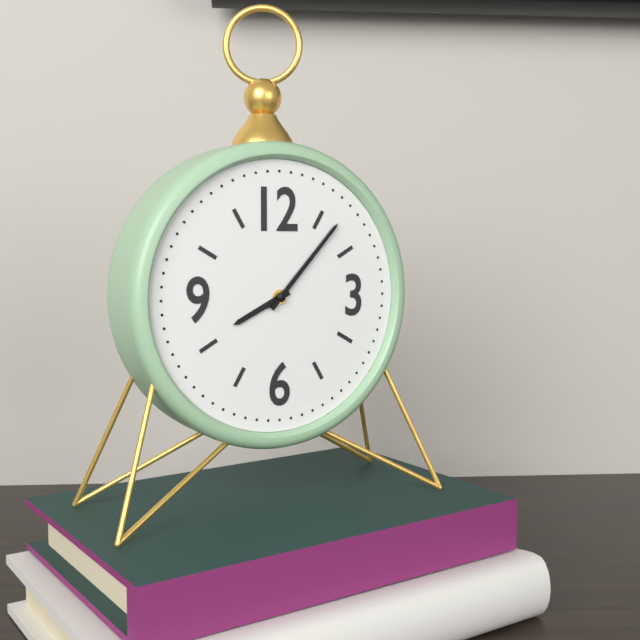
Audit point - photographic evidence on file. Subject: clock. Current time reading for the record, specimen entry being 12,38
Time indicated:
8,07
